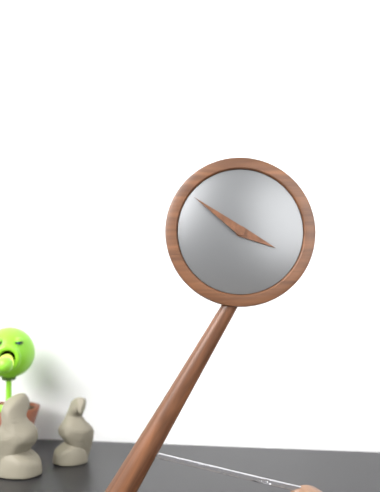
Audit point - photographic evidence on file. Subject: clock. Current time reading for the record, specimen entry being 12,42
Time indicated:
3,51
